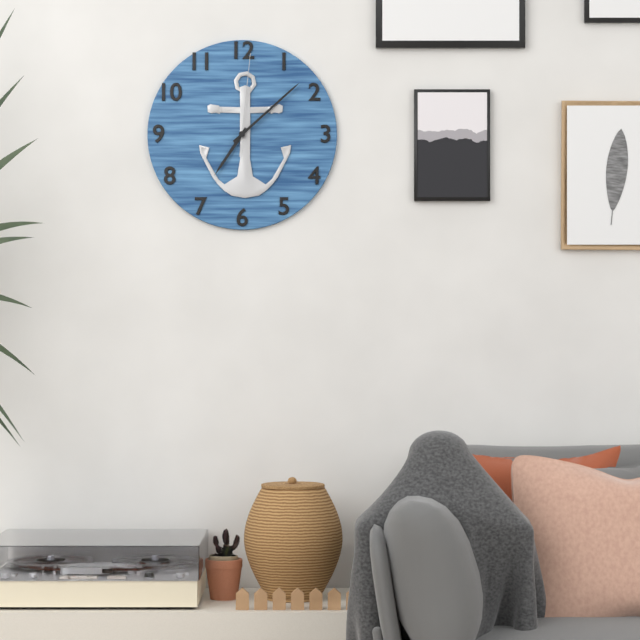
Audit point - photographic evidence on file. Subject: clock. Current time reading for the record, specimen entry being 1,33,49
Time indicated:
7,08,01
